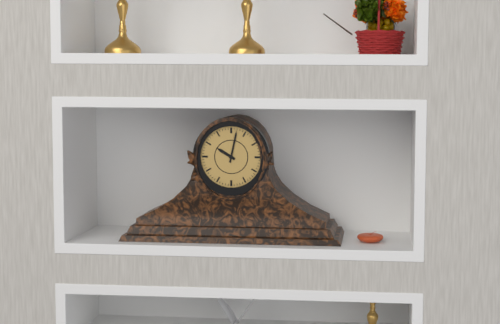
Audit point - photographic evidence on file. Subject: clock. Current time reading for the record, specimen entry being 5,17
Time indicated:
10,02
